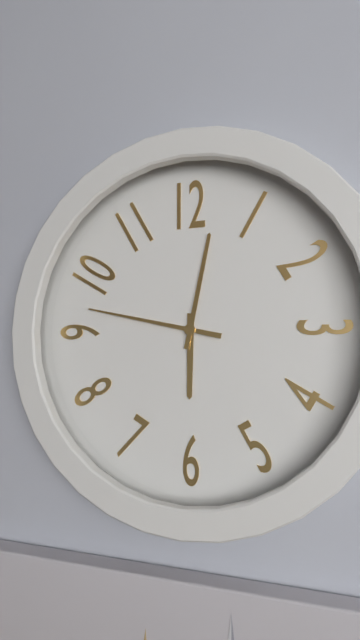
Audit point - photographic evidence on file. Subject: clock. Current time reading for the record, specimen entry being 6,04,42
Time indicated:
6,02,47
